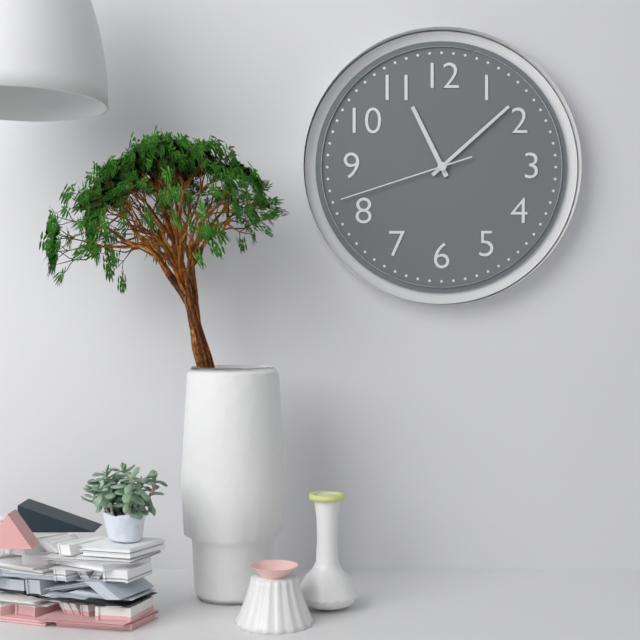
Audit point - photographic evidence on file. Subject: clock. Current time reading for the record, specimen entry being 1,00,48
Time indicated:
11,08,42
